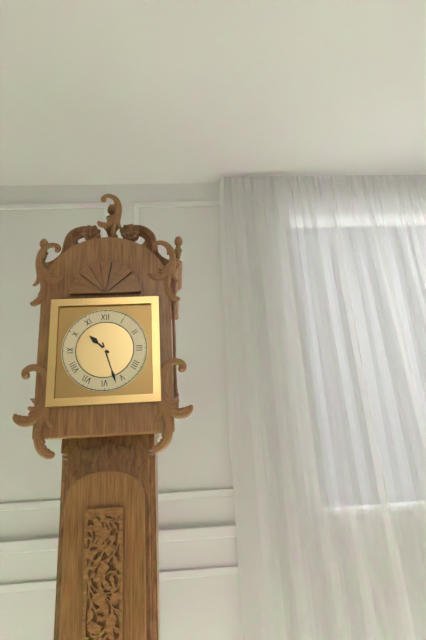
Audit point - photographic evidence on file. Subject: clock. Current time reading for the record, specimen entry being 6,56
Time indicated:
10,27
